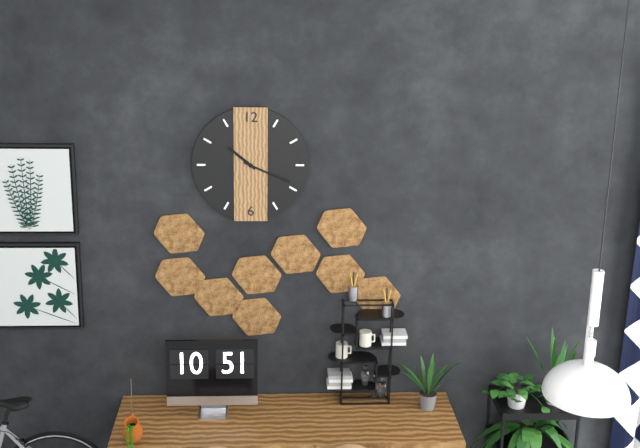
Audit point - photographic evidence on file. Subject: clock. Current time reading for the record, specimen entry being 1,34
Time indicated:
10,19
